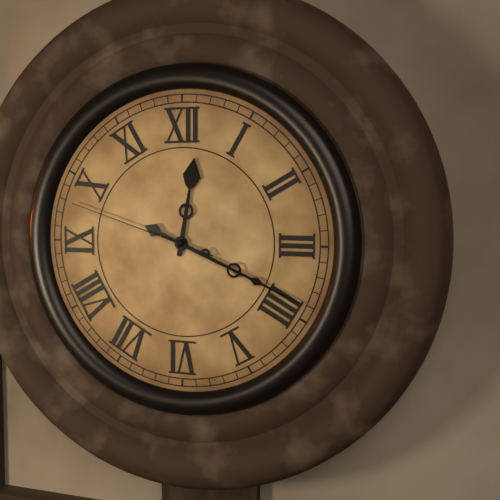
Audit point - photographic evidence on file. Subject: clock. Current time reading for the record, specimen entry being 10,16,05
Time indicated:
12,19,48
